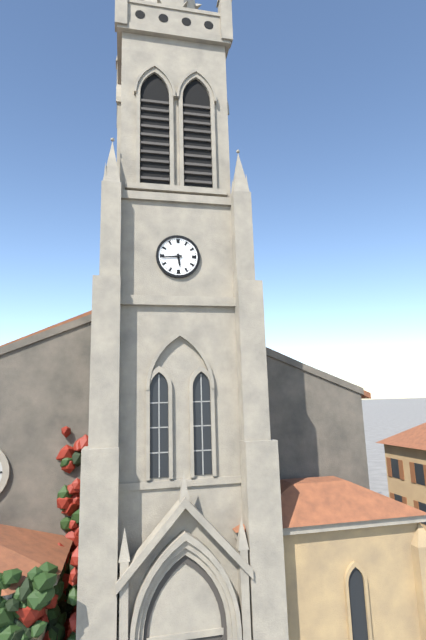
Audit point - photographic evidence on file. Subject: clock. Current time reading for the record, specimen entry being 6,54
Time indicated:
5,44
